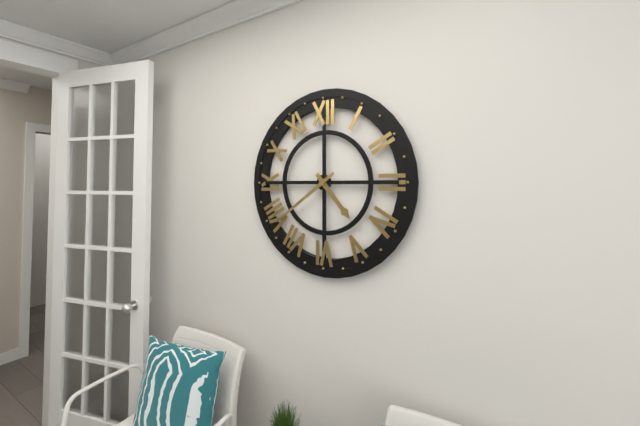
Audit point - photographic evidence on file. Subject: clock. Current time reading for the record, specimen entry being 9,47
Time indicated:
4,39
